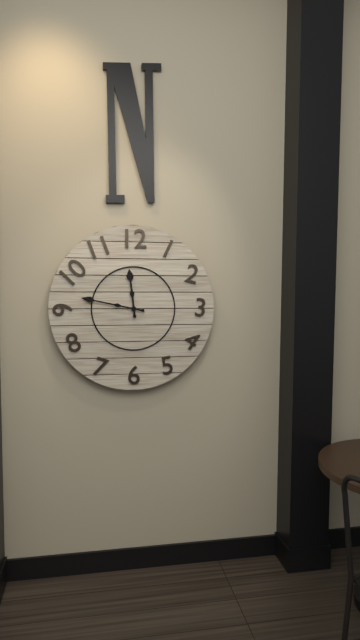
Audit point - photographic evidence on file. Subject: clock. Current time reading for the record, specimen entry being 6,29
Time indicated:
11,47
